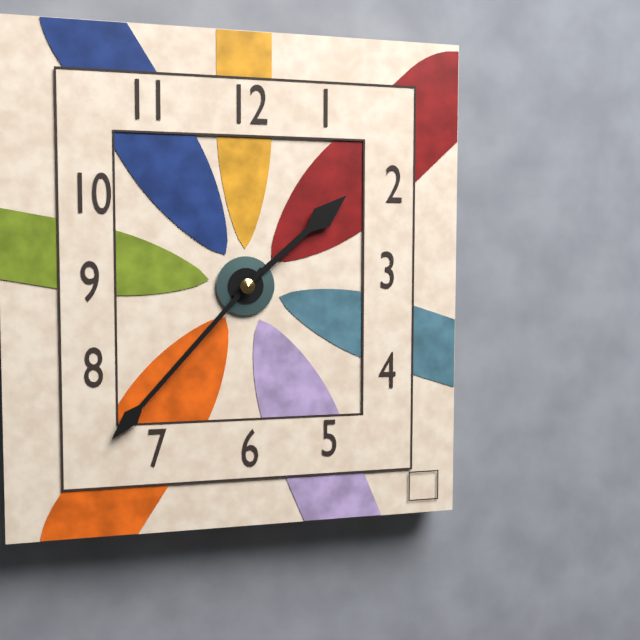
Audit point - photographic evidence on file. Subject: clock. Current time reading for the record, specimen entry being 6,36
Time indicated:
1,37
